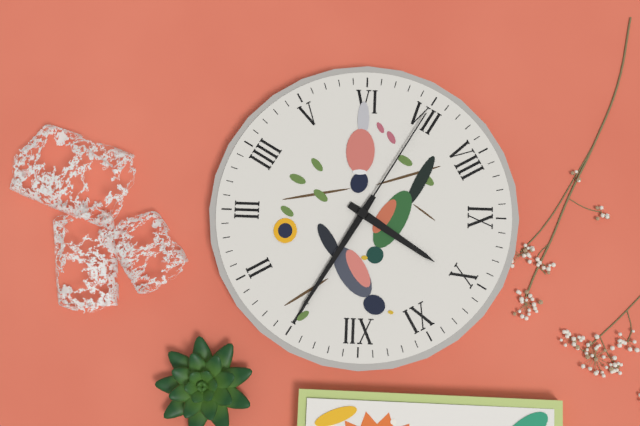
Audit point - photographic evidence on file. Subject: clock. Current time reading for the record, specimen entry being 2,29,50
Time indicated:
10,05,35
